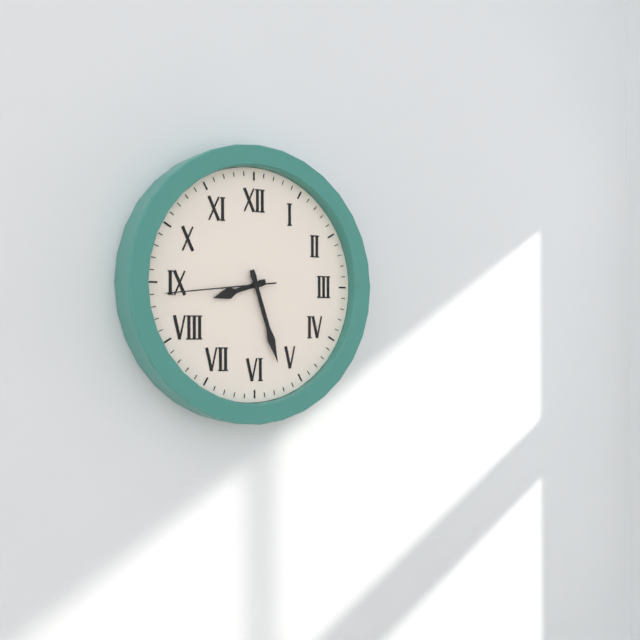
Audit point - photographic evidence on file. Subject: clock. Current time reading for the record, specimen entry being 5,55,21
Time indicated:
8,27,44
